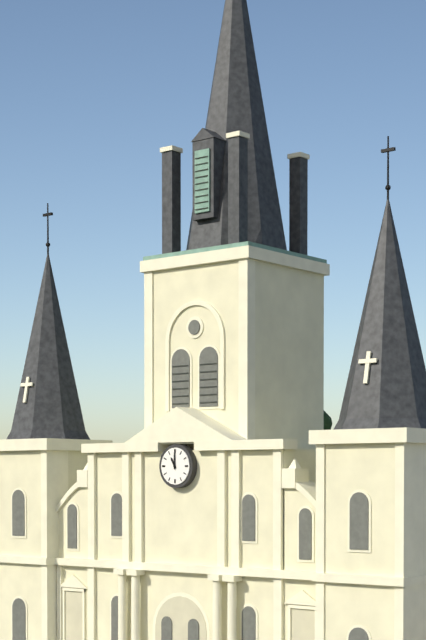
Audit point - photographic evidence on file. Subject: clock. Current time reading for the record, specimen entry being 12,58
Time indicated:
11,00
